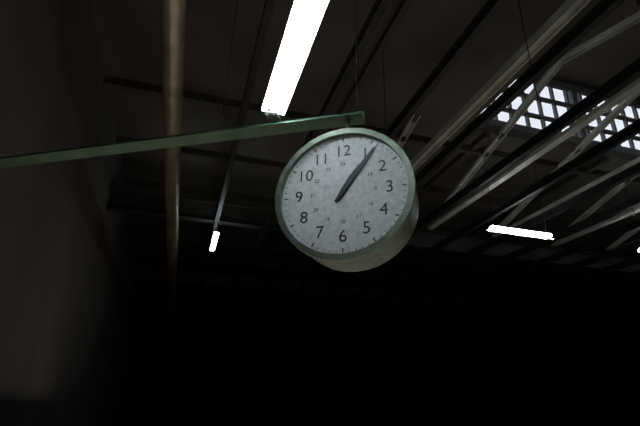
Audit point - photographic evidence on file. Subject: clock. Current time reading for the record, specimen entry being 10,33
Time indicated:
1,06
